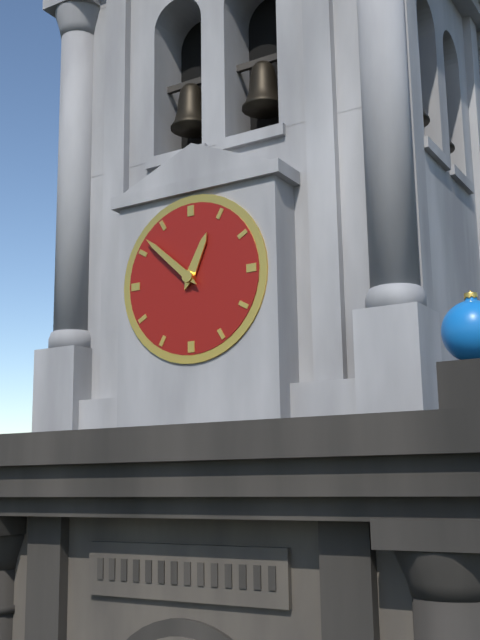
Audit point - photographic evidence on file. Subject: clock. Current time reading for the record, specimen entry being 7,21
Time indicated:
12,52
